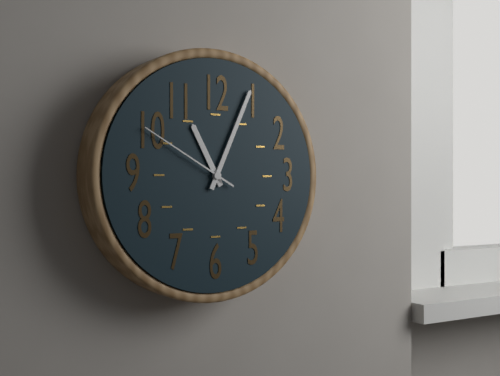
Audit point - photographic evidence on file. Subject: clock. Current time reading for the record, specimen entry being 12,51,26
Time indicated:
11,04,50
